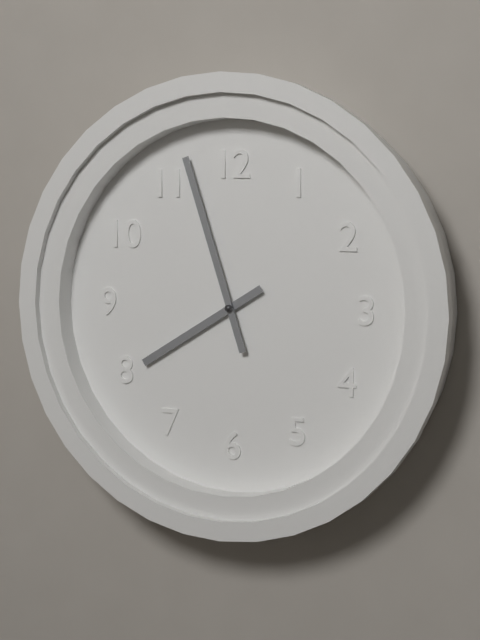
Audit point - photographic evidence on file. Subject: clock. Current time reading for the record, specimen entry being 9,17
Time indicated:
7,57
